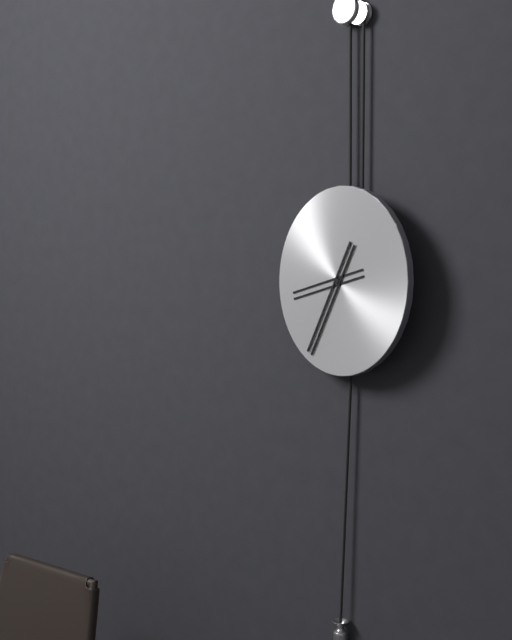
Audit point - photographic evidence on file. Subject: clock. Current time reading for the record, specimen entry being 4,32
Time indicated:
8,35
